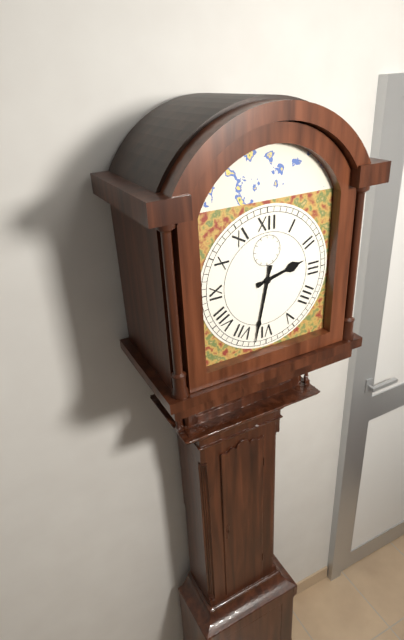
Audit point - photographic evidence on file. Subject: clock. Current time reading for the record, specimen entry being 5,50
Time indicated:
2,32
